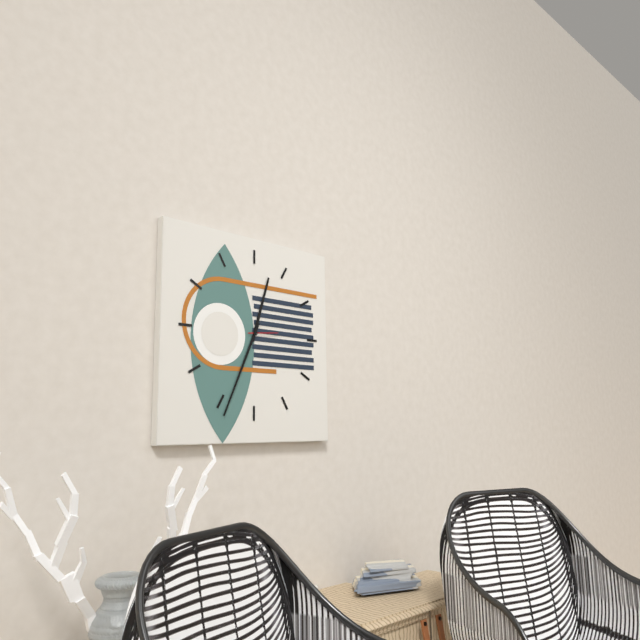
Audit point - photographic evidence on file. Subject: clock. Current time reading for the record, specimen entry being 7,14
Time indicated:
12,34
